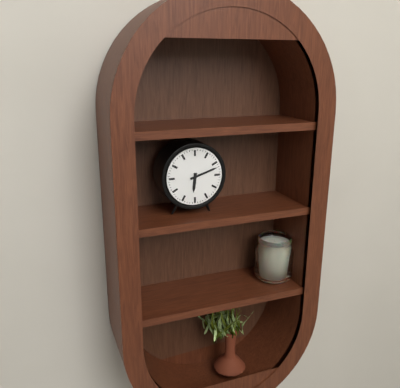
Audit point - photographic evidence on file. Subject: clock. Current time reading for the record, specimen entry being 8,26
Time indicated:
6,12
